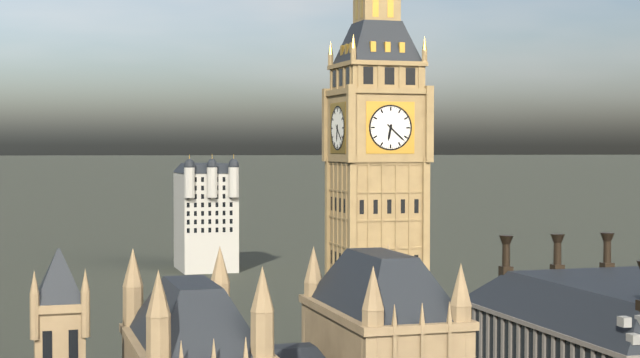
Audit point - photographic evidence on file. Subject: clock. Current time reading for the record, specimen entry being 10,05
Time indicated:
6,22
